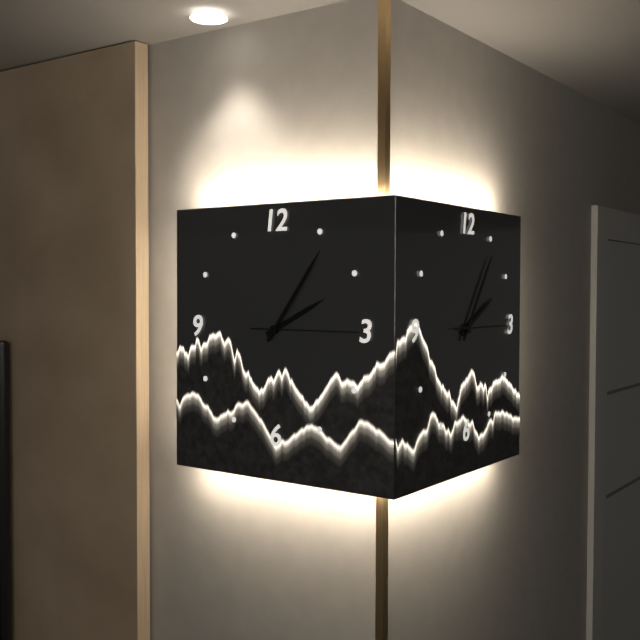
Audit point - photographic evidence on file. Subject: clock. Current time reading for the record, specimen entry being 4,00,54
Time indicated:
2,06,15
